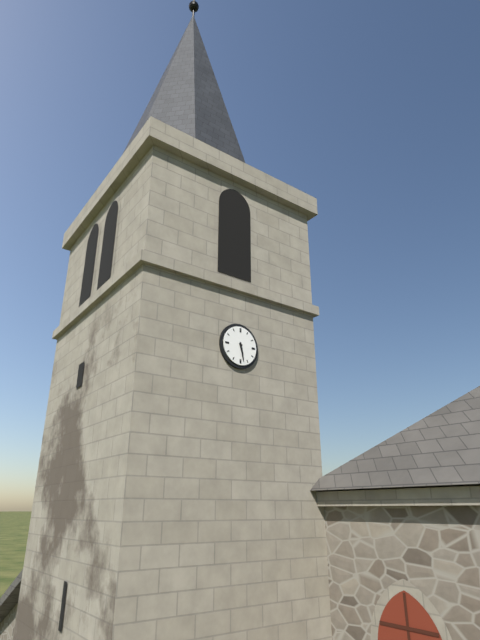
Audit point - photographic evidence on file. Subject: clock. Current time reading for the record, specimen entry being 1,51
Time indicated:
5,28
